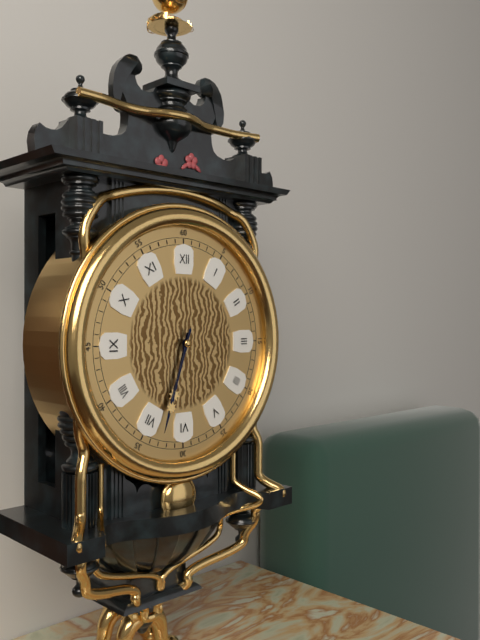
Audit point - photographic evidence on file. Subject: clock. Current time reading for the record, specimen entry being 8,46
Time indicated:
6,33
